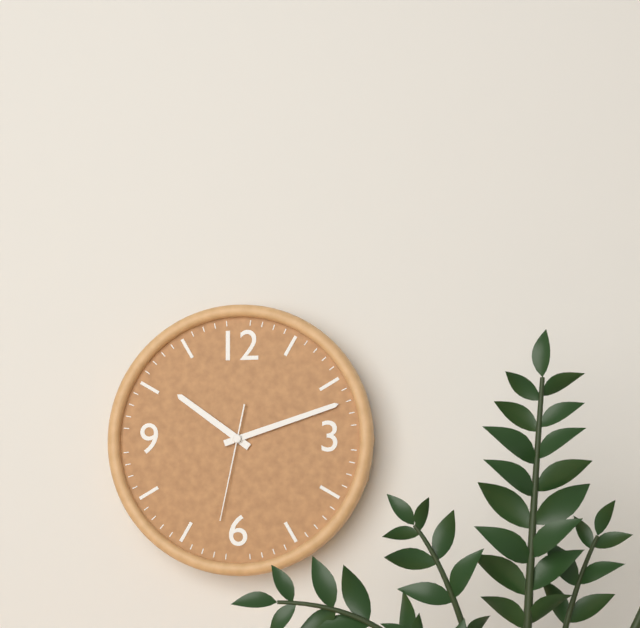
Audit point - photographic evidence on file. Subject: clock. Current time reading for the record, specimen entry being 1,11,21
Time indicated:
10,12,32
